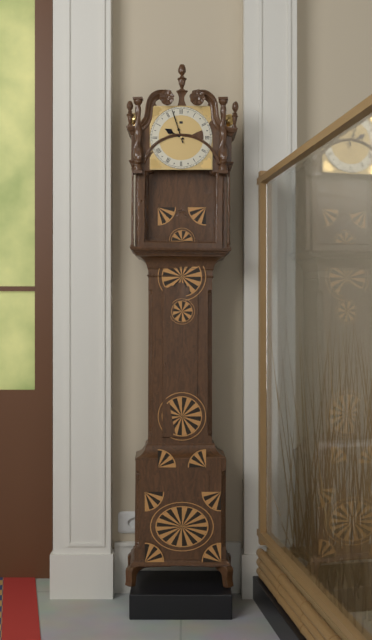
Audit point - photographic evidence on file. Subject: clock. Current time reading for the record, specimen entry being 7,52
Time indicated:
9,57
